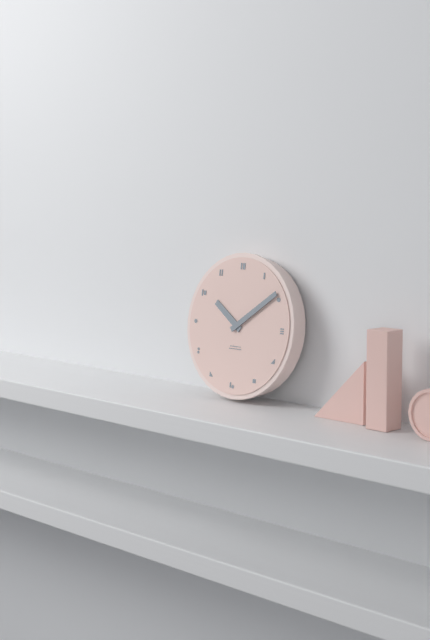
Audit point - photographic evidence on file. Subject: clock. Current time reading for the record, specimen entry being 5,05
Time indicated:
10,09
